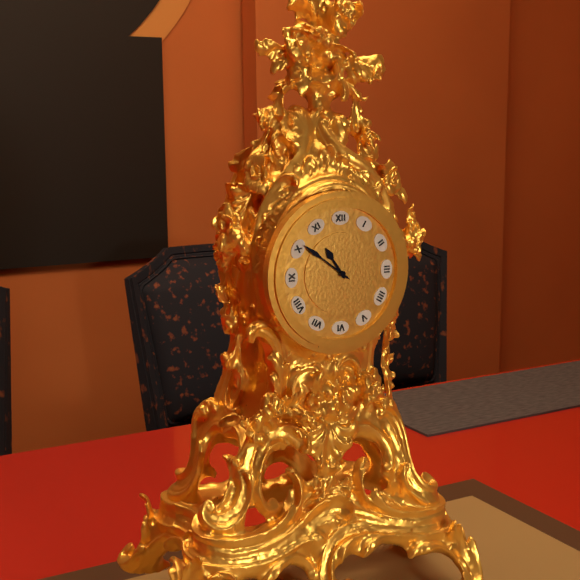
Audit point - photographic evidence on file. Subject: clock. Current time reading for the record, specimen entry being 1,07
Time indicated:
10,51
